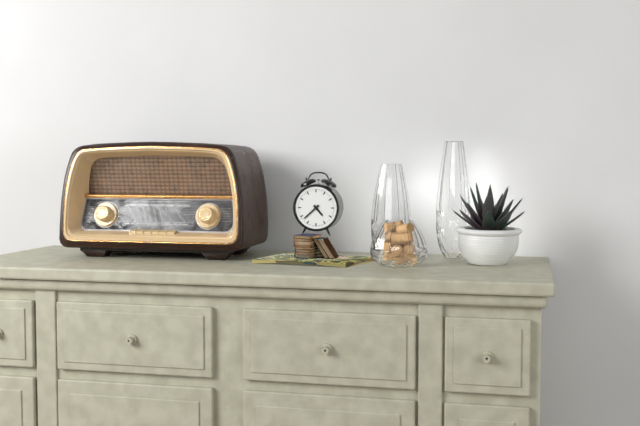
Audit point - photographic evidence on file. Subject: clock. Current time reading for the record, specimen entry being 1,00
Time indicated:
4,38
